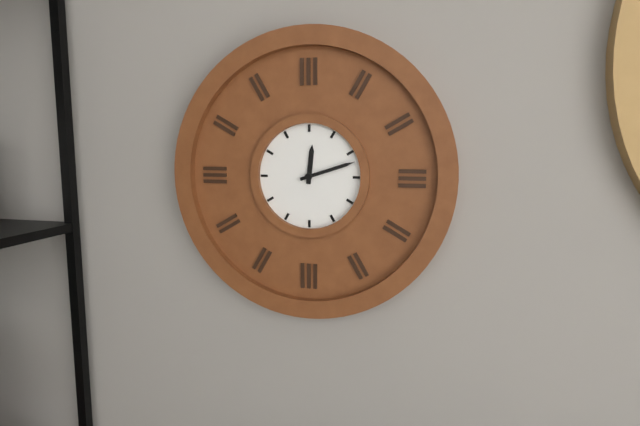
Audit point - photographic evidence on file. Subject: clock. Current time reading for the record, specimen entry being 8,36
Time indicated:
12,12
